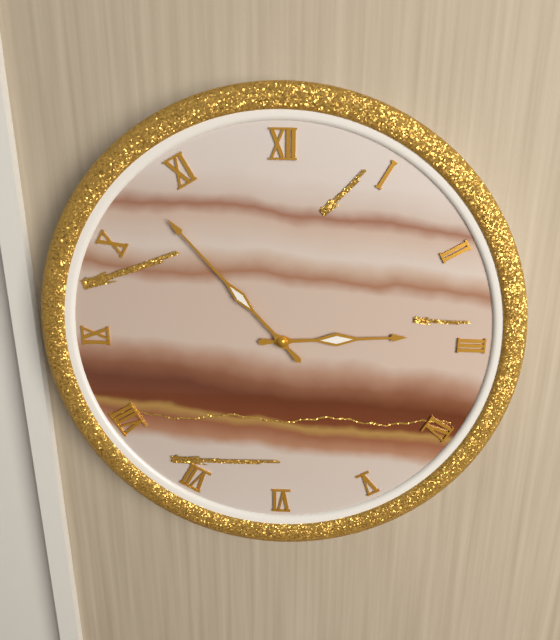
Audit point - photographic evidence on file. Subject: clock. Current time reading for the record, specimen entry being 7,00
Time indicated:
2,53
